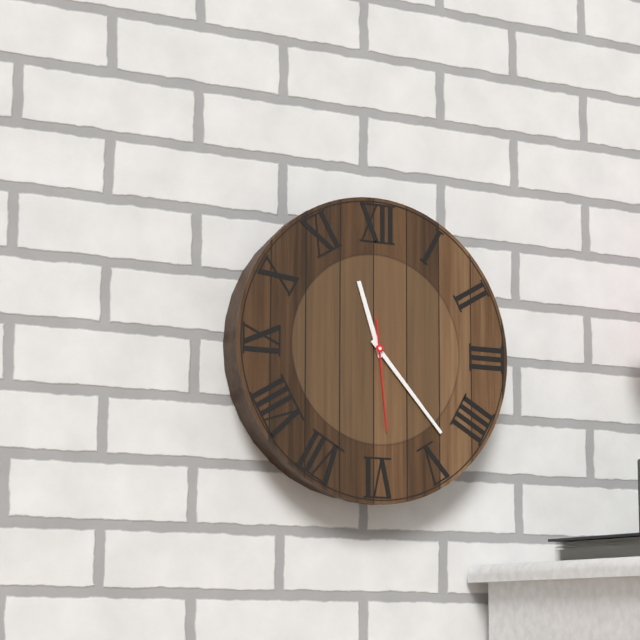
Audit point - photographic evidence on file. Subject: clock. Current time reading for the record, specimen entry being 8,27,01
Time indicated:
11,23,29
